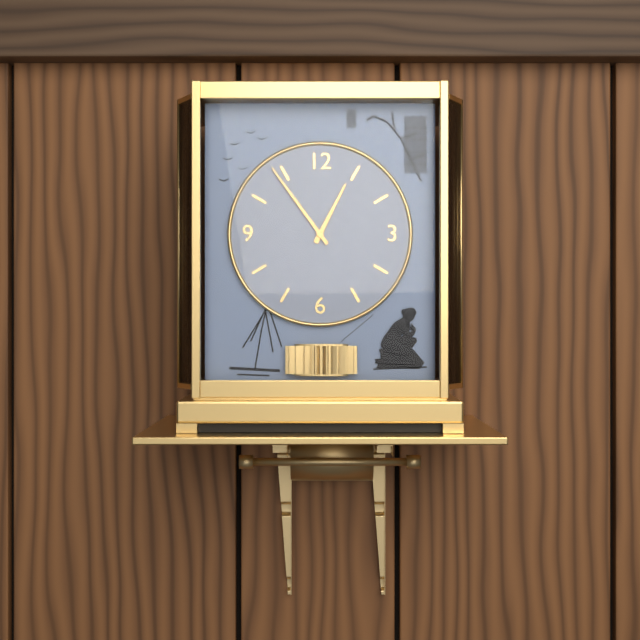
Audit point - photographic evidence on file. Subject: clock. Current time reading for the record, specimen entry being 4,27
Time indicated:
12,54
